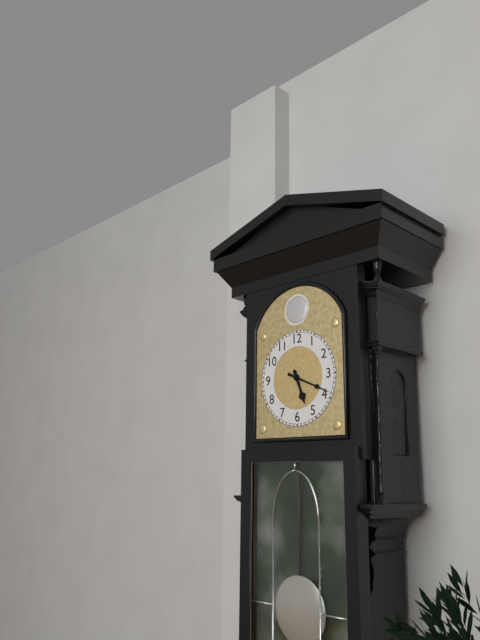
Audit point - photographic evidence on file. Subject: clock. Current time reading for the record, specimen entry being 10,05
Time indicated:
5,19
